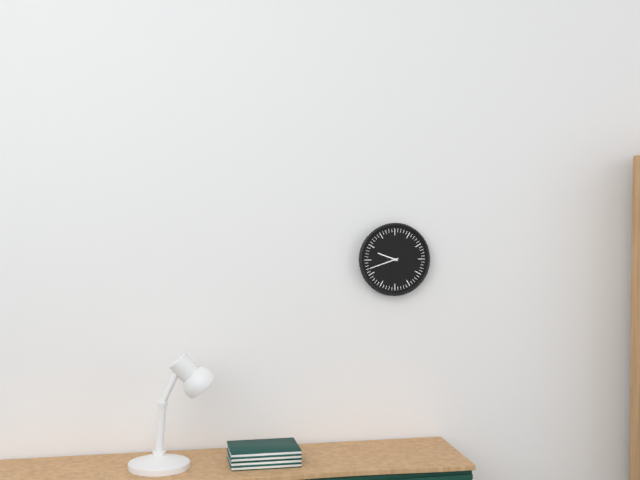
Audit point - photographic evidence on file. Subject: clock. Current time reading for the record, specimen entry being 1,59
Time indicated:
9,42
